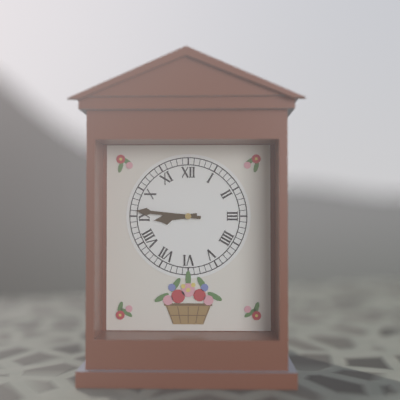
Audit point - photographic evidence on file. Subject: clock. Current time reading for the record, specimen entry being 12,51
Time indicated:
8,46
